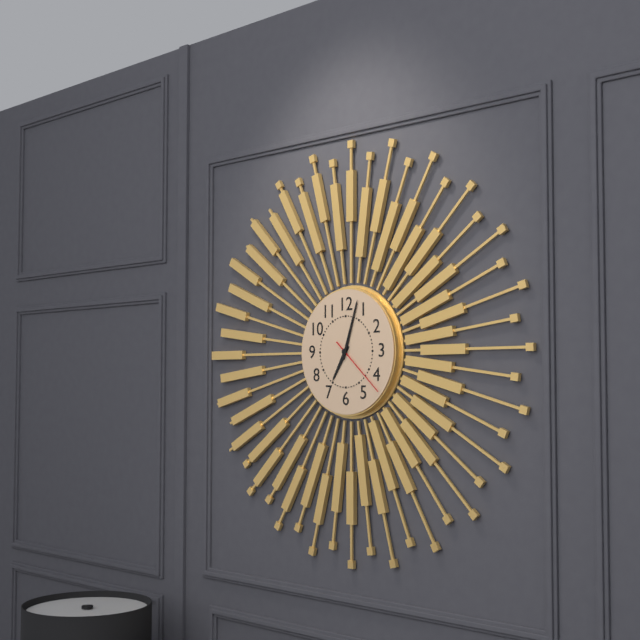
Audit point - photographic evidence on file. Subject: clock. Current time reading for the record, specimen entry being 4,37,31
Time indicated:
7,03,22
